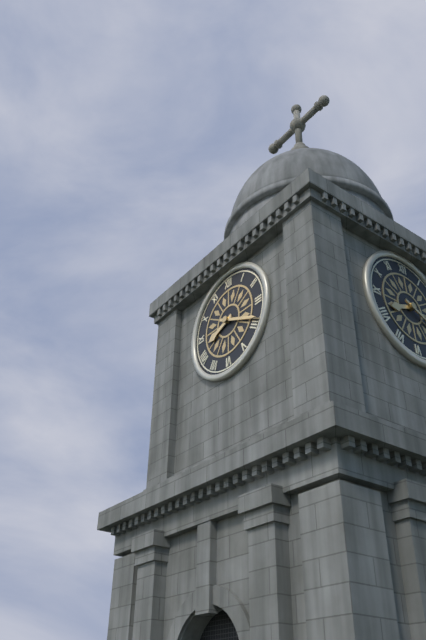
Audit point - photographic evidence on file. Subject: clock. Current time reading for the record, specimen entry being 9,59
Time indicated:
8,19
